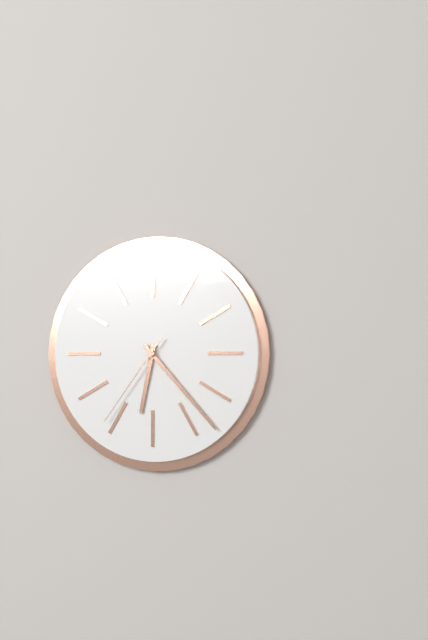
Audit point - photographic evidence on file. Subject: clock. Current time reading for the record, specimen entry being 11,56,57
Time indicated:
6,23,36
